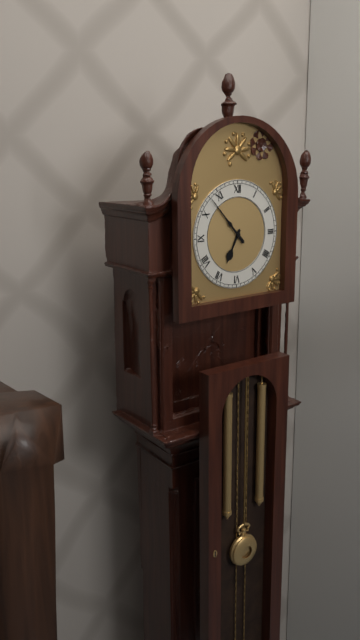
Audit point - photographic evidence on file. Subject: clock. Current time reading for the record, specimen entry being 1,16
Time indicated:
6,53
